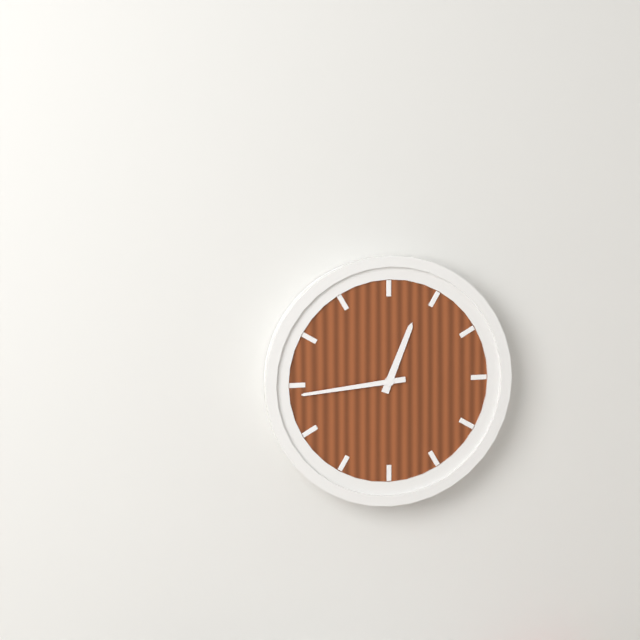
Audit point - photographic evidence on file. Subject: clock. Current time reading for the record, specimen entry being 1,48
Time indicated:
12,44
